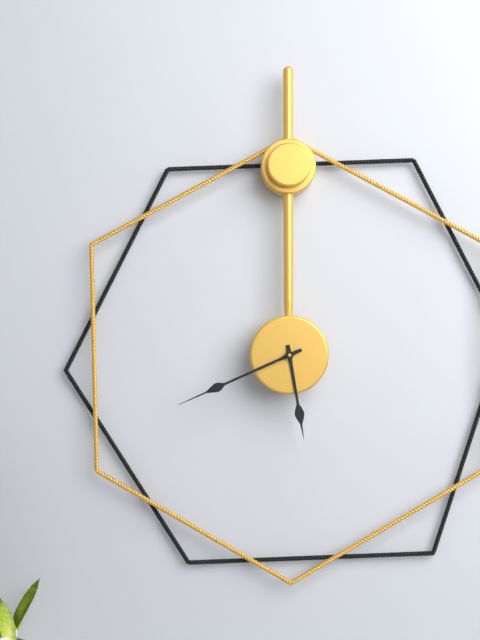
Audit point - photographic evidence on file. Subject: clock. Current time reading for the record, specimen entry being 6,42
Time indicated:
5,41
